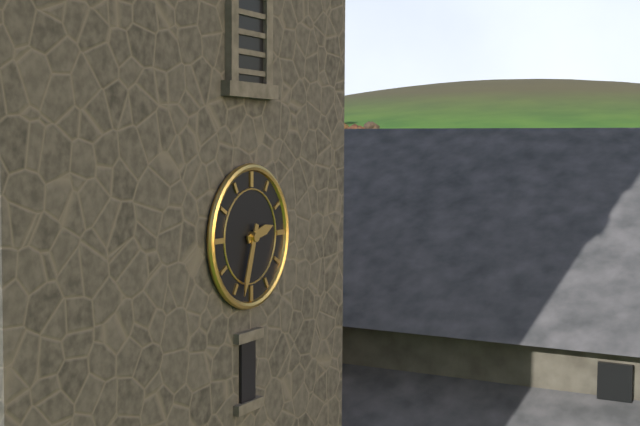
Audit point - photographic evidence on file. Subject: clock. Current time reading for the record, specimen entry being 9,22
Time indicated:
2,33
